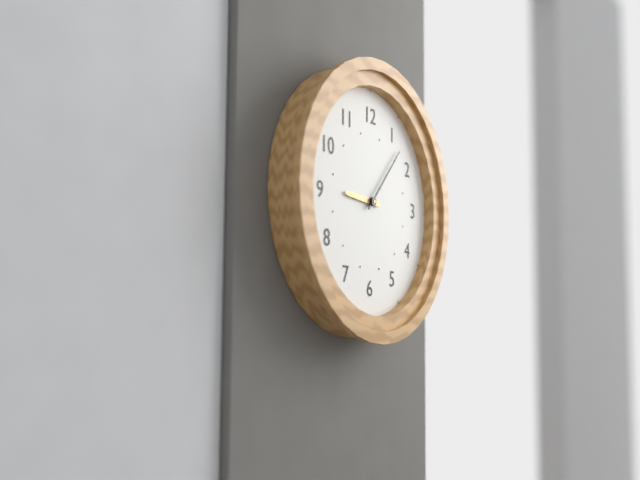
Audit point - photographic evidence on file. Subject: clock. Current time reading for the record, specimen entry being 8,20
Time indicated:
9,07
